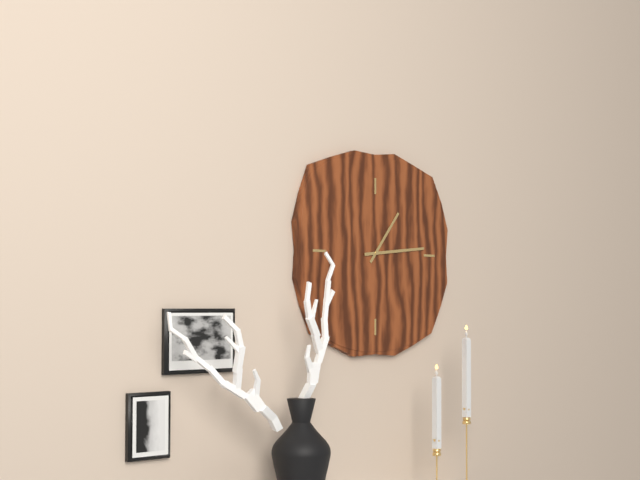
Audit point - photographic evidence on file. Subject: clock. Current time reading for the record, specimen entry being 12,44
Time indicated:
1,14
